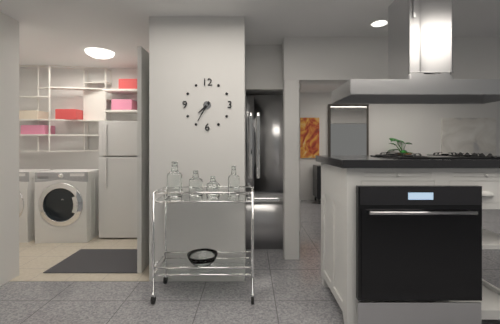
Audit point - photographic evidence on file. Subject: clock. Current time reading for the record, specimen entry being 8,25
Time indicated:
7,35
